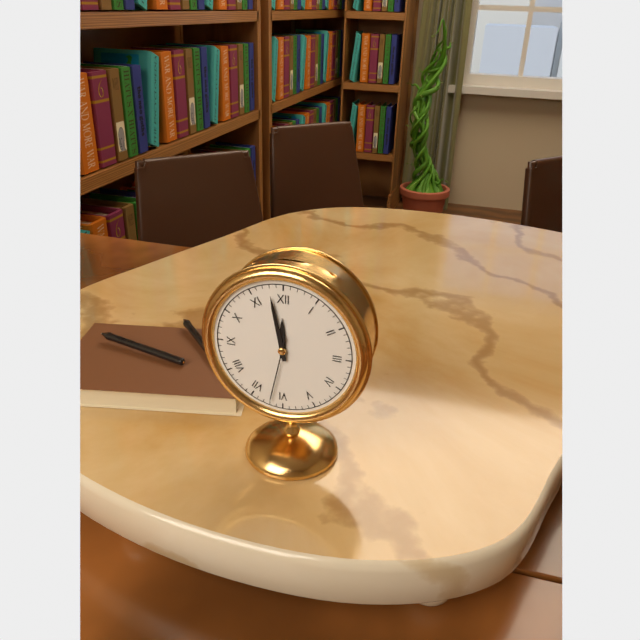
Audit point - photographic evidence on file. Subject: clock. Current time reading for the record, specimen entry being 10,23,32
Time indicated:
11,58,32
